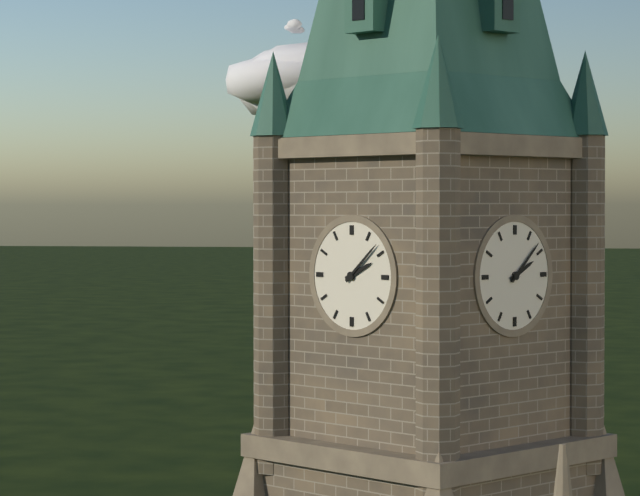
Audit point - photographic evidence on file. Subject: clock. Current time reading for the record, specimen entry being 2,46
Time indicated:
2,08
